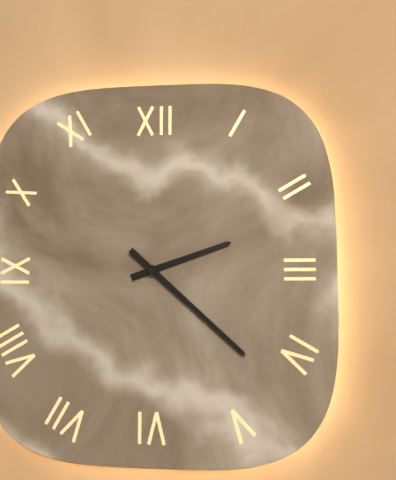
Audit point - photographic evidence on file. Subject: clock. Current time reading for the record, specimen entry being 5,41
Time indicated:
2,22
